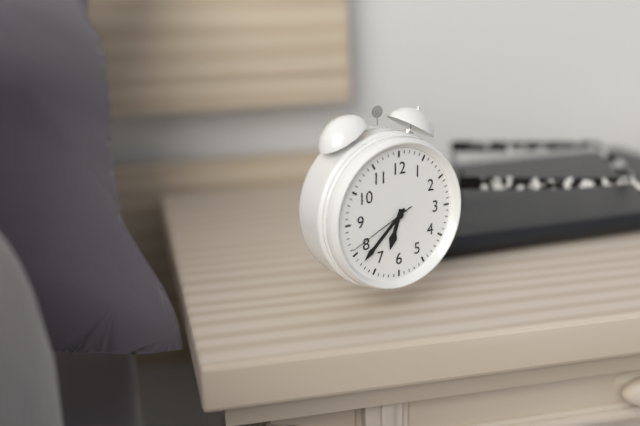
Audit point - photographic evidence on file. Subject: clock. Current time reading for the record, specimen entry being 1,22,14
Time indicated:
6,38,41
